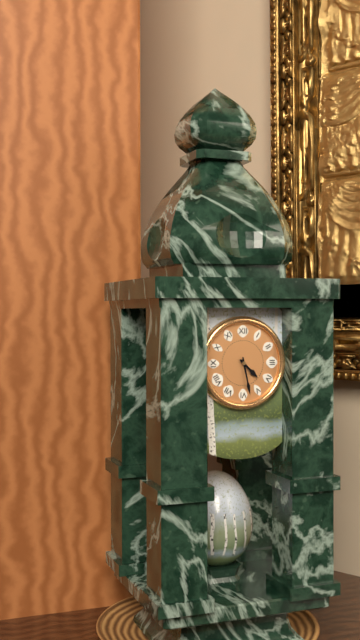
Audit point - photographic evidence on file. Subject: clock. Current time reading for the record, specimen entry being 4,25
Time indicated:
4,28
